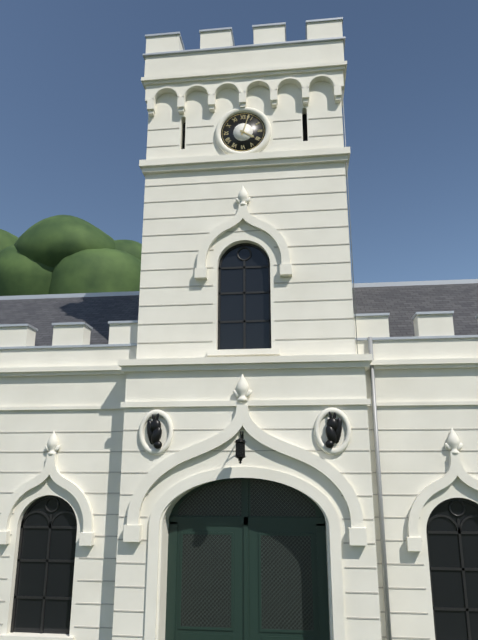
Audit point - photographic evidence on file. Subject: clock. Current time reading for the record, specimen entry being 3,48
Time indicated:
4,03
